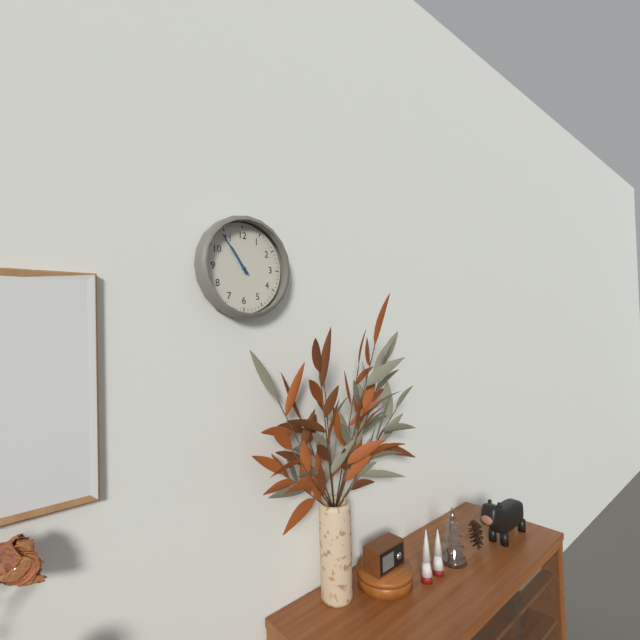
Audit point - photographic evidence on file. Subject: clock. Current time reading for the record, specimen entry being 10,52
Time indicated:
10,54
